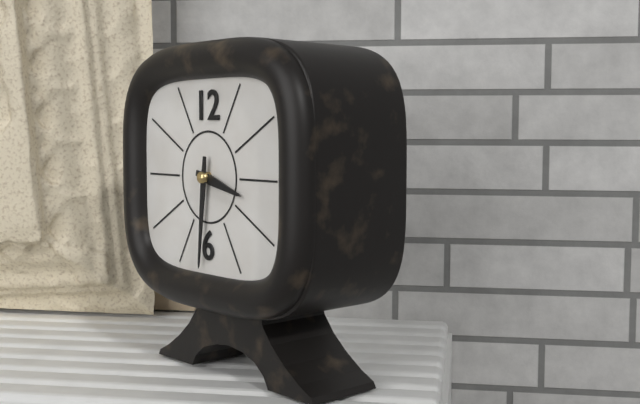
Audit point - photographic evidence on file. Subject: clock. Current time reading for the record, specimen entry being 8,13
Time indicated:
3,31
